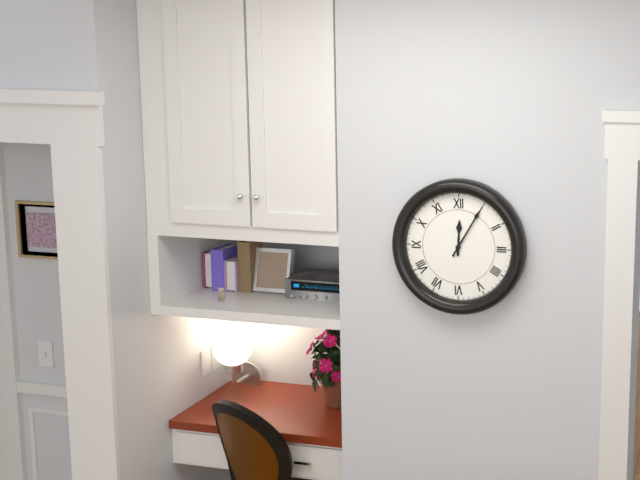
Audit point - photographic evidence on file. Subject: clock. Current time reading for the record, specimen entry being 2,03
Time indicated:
12,05
